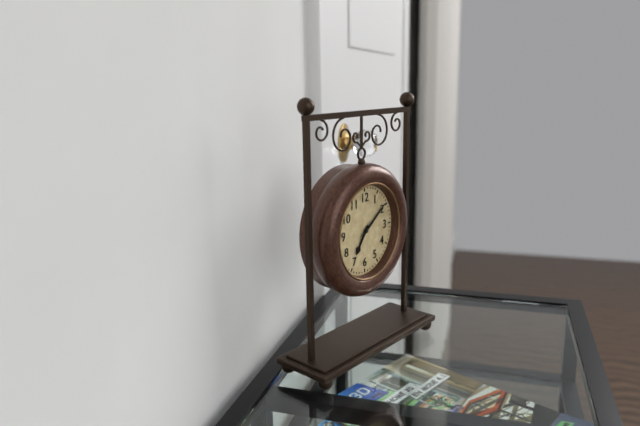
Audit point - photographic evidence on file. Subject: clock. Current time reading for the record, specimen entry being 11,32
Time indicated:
7,09
